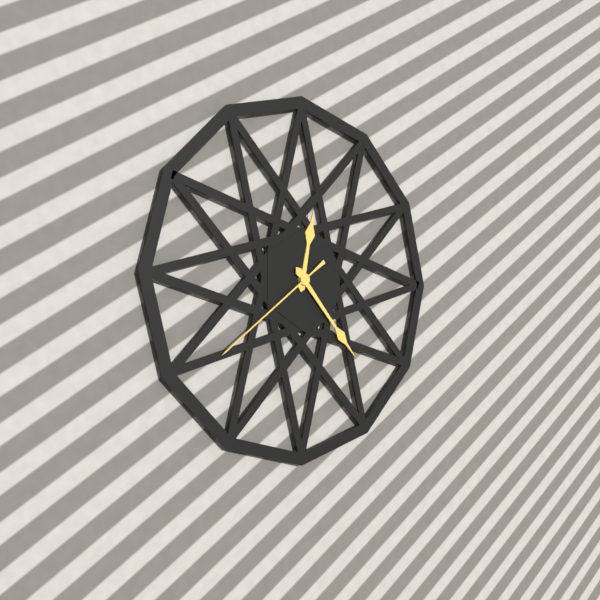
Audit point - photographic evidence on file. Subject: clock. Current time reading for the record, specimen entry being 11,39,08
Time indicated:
12,23,39
